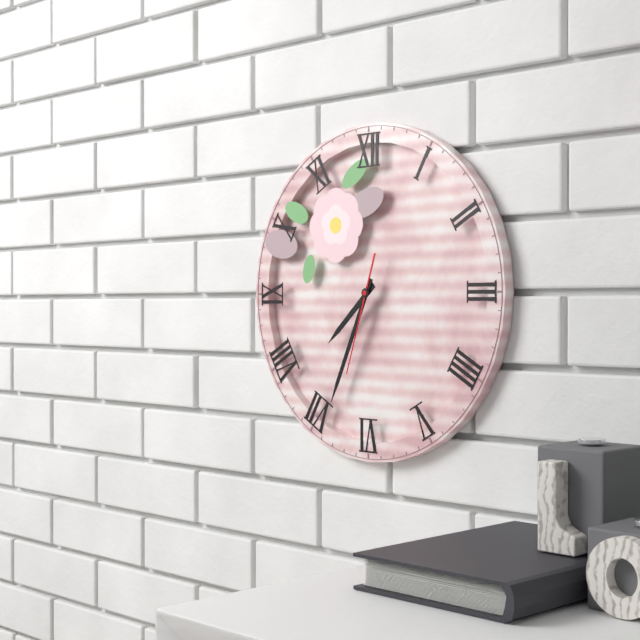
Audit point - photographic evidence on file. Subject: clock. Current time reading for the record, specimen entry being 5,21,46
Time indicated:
7,34,33
